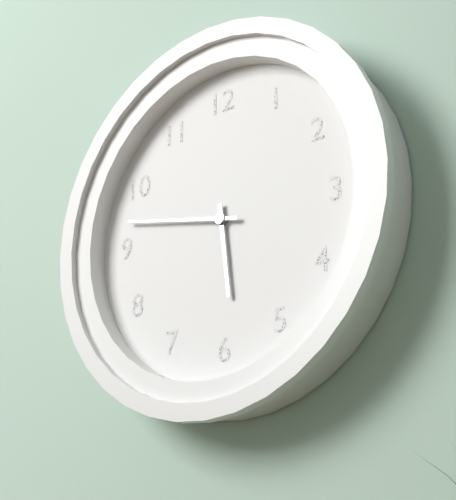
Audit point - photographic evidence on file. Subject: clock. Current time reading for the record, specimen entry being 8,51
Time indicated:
5,47
